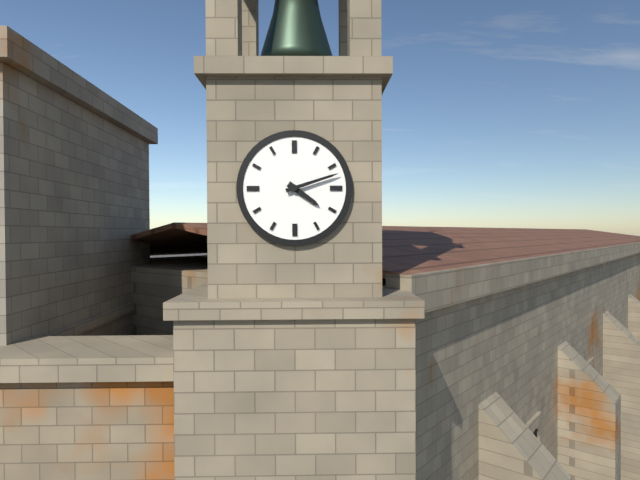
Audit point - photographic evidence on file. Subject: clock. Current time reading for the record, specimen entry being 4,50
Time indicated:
4,12
